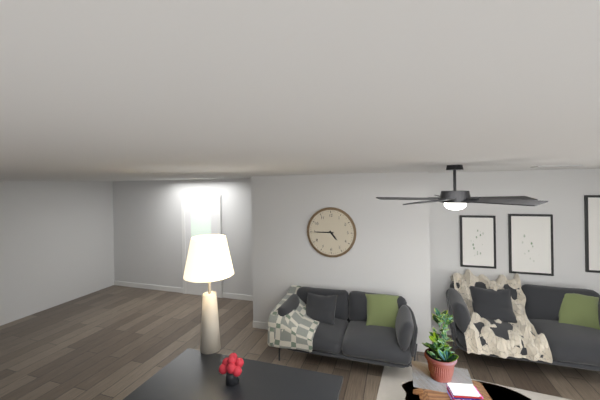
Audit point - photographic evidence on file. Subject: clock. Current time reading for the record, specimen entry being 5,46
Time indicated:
4,45
